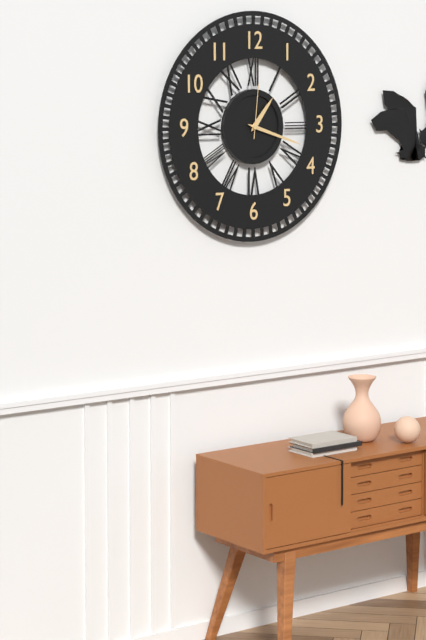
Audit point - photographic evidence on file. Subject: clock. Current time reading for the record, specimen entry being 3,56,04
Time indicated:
1,18,01
